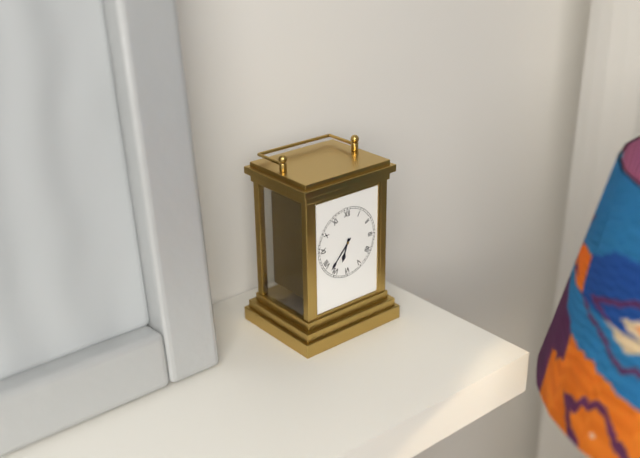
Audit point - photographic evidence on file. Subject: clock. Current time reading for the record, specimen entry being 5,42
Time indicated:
6,37
